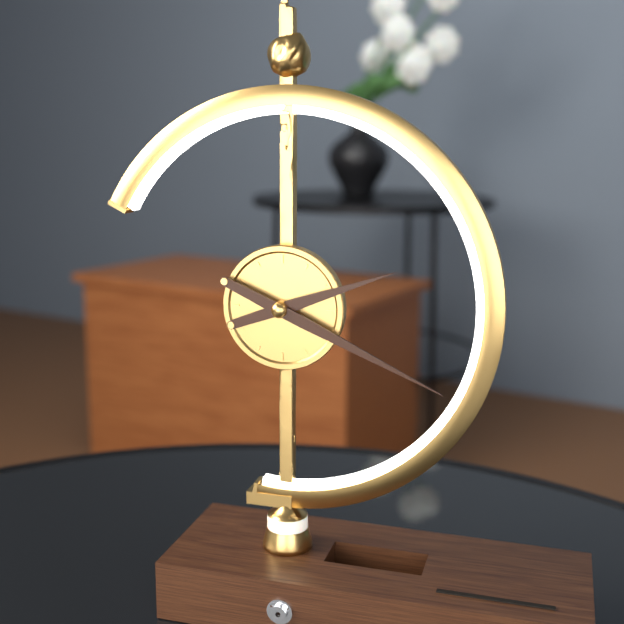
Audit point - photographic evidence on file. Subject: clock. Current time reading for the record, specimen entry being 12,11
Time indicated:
2,19
